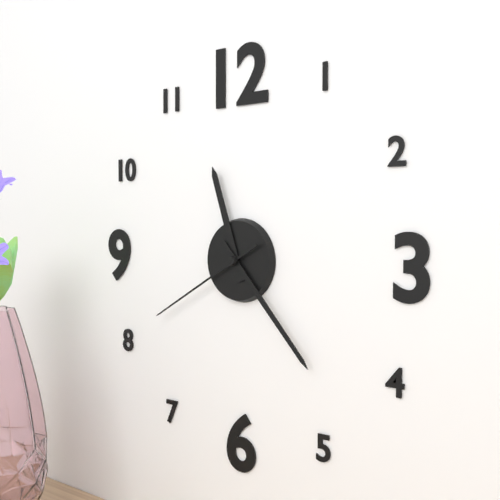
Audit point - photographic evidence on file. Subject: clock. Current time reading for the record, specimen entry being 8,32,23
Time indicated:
11,23,40
